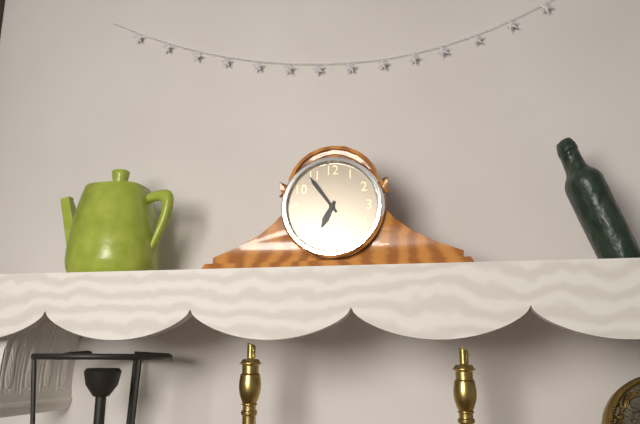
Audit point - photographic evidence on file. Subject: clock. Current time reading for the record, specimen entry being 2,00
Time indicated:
6,54
